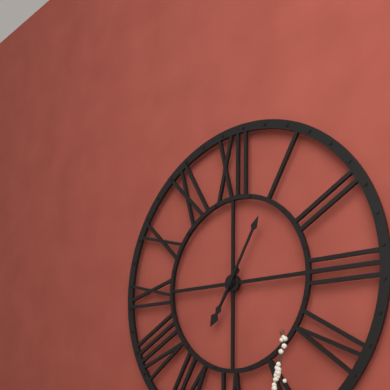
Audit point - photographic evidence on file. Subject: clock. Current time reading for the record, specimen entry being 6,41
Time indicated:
7,05
